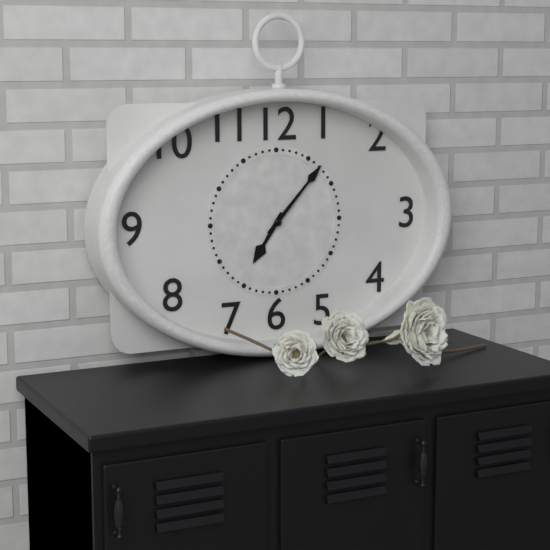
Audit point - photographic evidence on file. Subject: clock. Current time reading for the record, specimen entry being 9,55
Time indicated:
7,07
